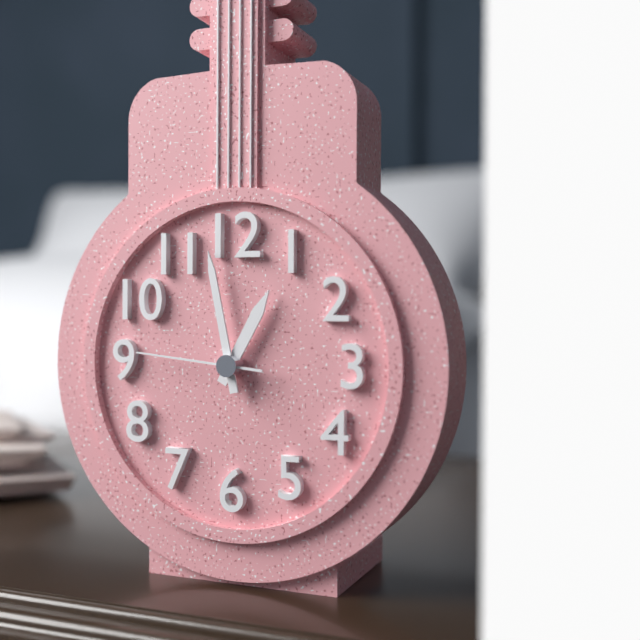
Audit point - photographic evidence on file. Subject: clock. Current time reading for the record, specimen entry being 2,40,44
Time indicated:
12,58,46
